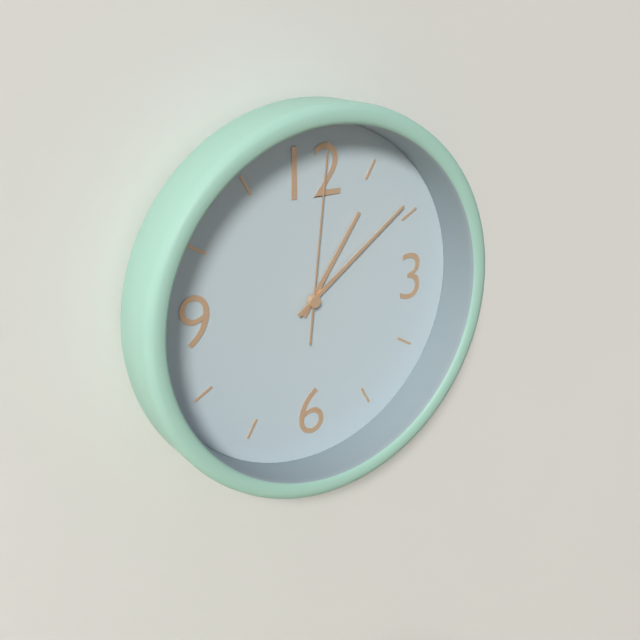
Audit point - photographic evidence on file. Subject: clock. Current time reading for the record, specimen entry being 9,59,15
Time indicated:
1,09,01
